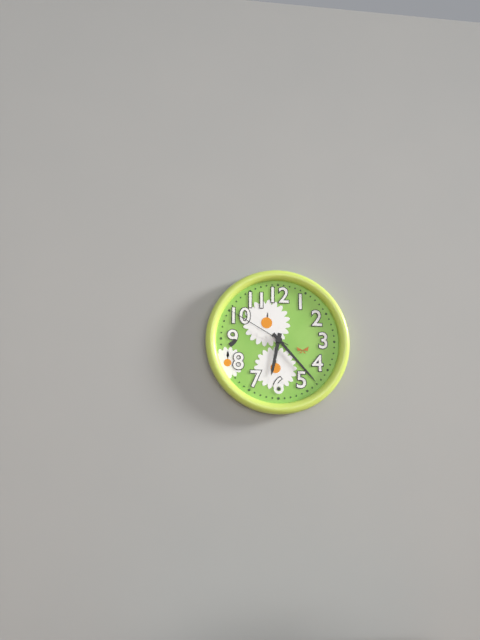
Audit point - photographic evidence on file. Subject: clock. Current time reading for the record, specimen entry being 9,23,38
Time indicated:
6,23,50
